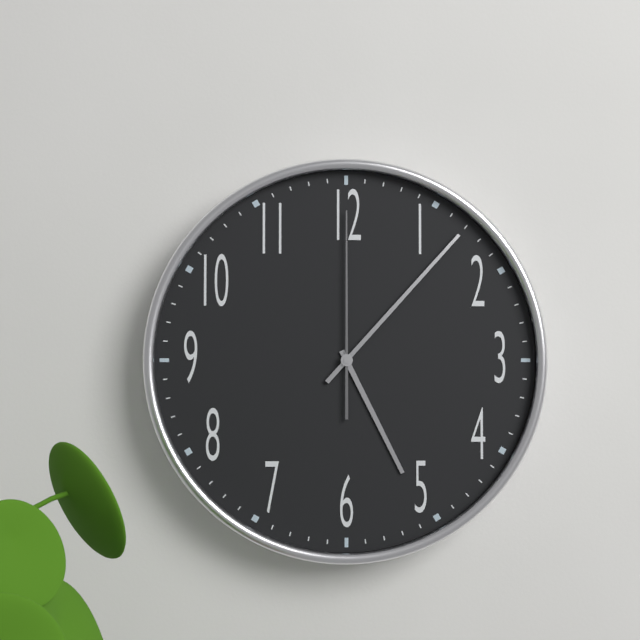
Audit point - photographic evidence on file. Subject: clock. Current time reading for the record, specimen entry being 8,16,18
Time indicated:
5,07,00
